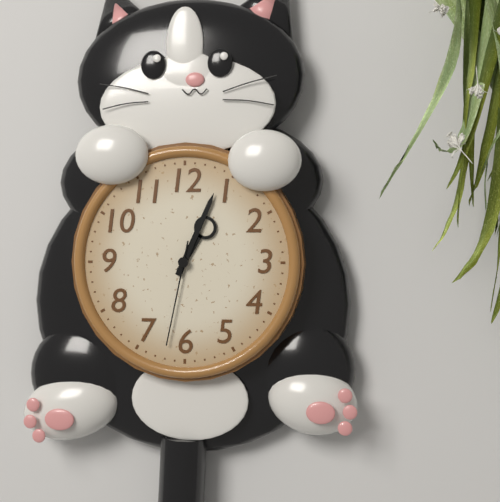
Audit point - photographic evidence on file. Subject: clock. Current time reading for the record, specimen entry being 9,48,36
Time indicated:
1,04,32
